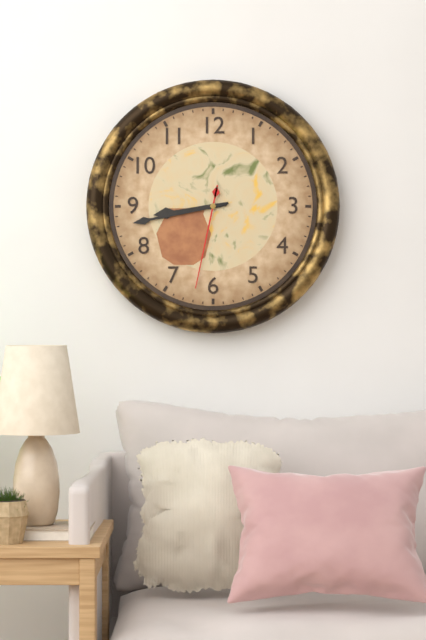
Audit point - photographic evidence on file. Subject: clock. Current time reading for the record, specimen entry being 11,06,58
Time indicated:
8,43,32
